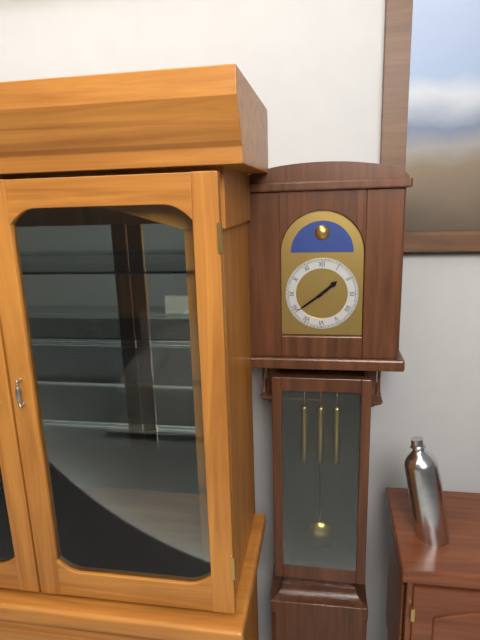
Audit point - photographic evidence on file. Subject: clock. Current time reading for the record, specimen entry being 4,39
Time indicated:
1,39
